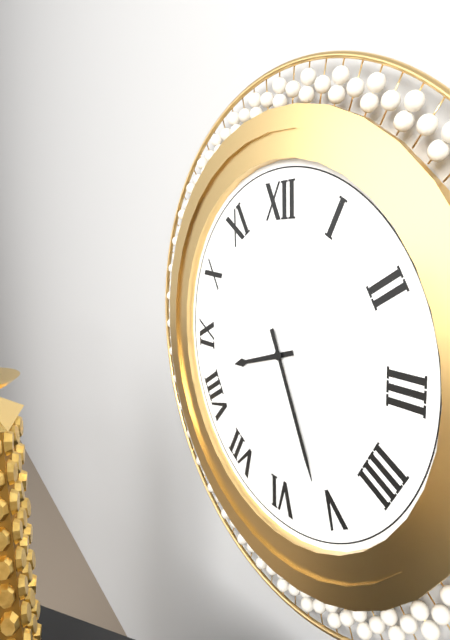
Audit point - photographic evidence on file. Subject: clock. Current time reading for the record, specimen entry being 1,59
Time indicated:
8,26
